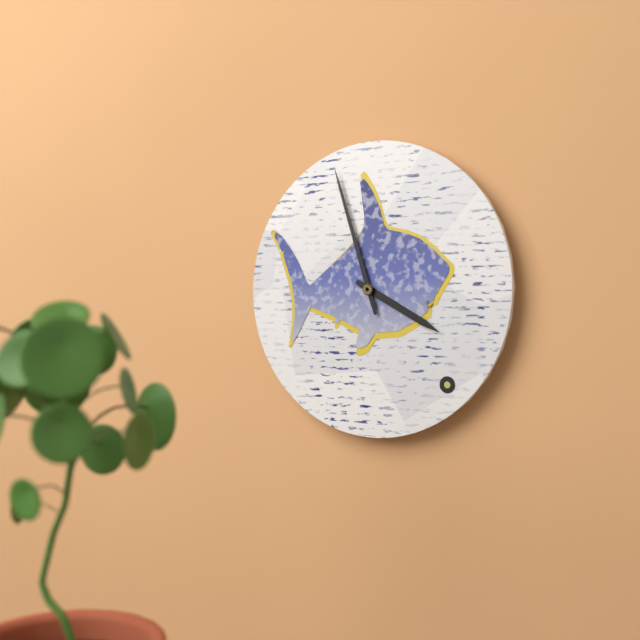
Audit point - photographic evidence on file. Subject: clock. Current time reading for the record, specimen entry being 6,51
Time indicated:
3,57
